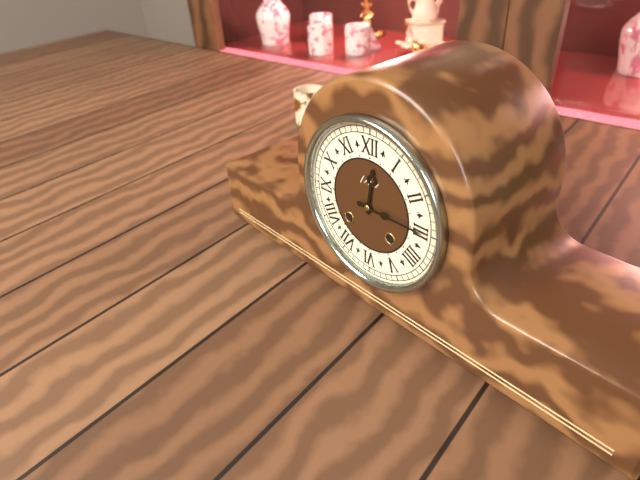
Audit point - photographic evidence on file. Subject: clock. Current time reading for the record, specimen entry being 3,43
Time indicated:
12,15
